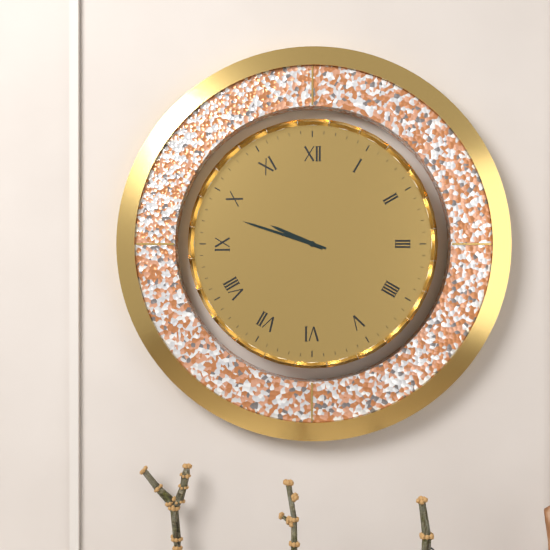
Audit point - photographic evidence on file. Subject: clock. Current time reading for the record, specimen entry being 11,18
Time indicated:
9,48
